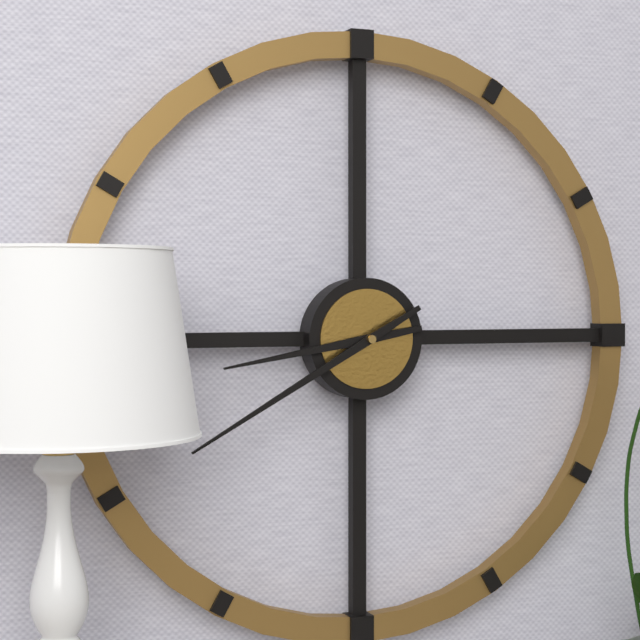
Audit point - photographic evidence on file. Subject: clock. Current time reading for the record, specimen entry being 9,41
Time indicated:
8,40
